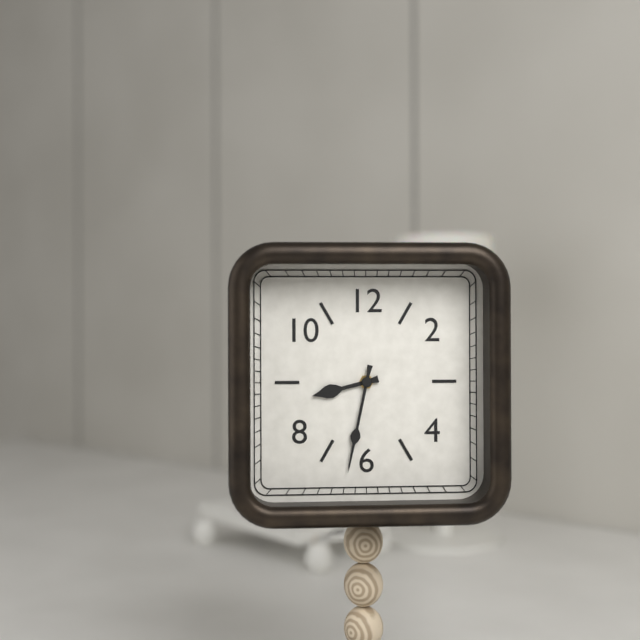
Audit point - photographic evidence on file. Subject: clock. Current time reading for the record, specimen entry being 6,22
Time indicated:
8,32
